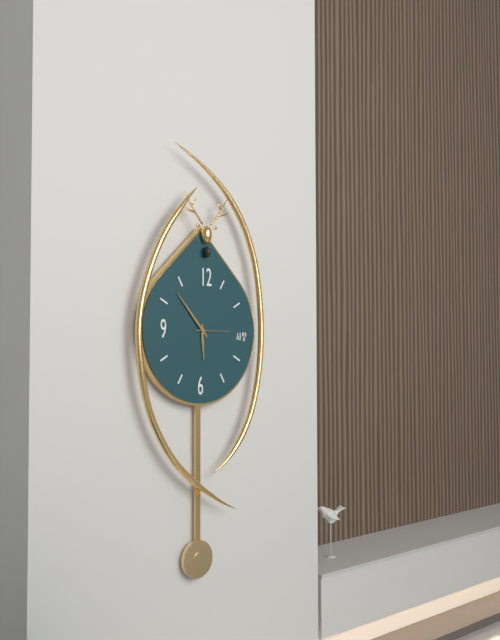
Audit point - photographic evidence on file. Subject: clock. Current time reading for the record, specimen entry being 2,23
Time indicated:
5,53
